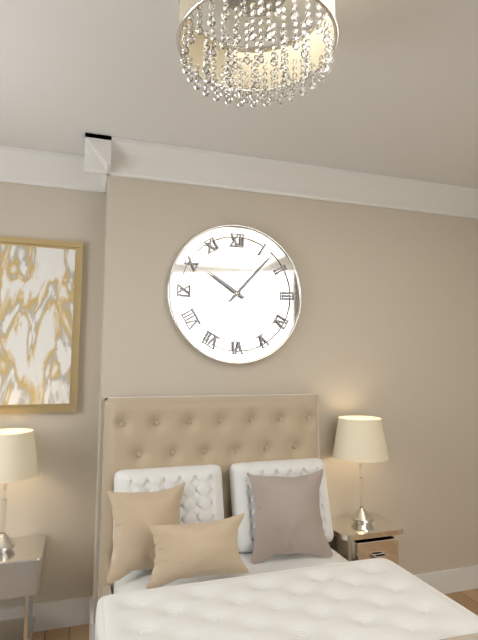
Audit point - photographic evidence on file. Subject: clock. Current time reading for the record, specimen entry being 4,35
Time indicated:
10,07
